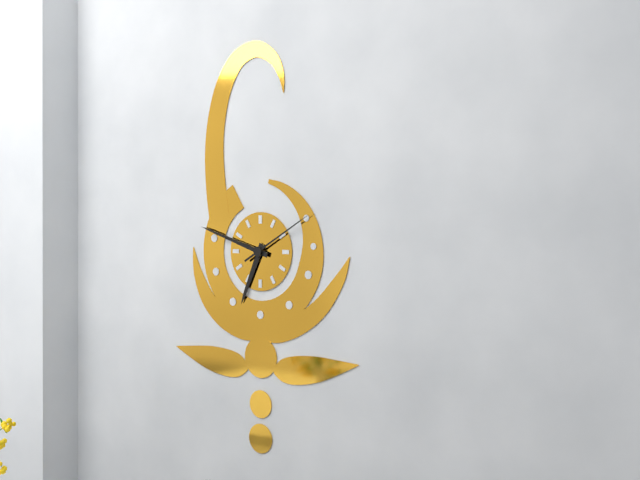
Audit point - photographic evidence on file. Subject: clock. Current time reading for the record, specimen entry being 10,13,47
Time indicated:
6,48,10
